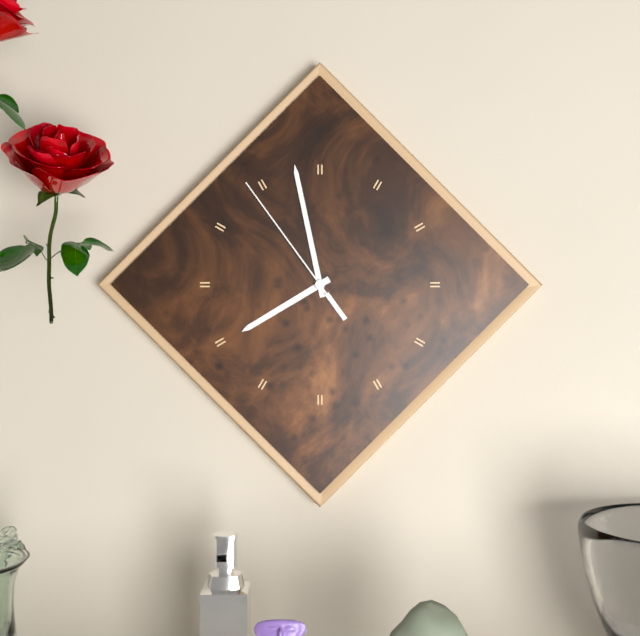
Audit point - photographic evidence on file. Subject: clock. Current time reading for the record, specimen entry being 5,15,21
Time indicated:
7,58,54
